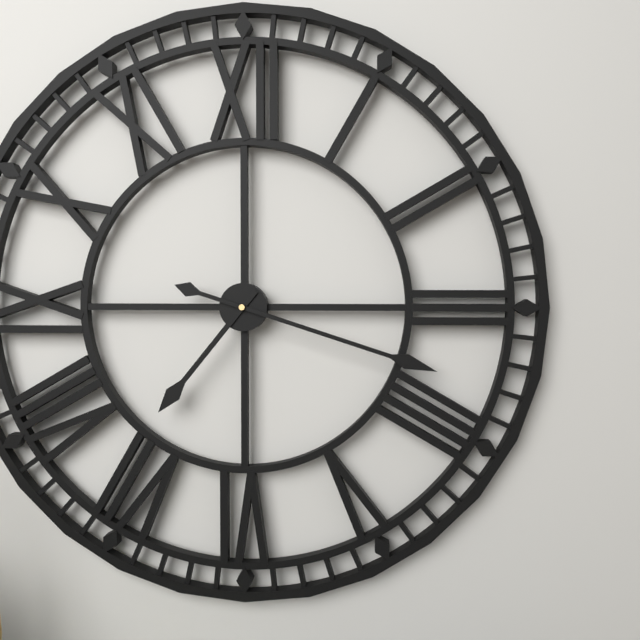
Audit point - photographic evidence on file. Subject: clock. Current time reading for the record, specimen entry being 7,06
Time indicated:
7,18
